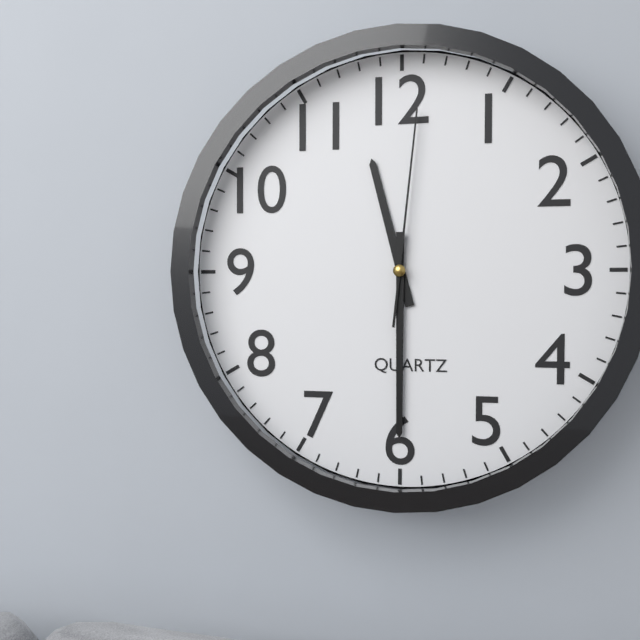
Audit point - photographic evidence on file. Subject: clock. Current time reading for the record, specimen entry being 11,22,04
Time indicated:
11,30,01
